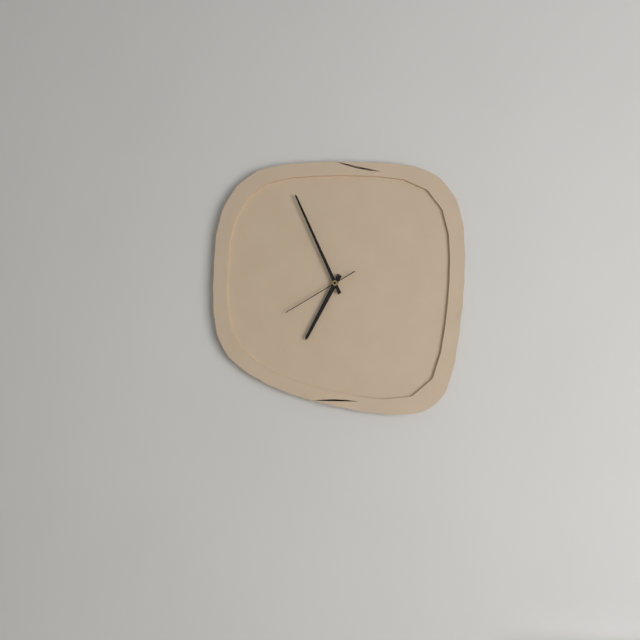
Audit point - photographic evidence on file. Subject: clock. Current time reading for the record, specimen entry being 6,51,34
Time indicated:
6,56,40
